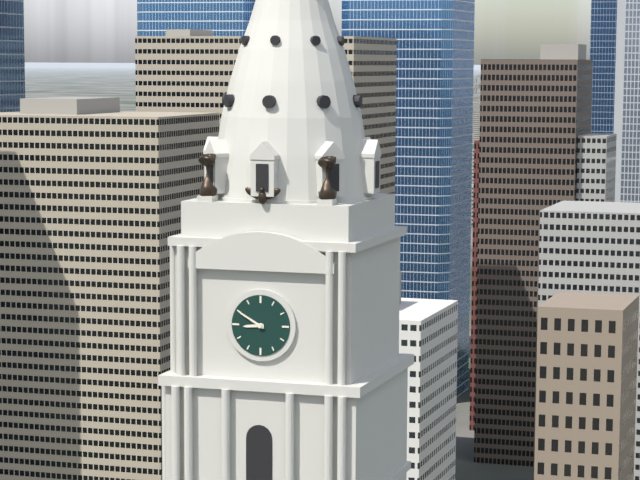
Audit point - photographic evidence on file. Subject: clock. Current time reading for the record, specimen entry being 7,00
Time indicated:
8,50
